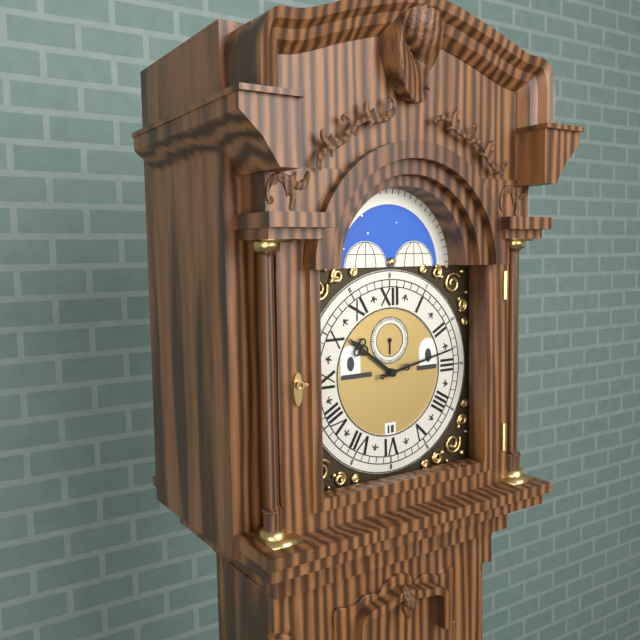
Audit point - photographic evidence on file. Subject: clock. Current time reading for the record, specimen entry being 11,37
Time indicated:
10,13
